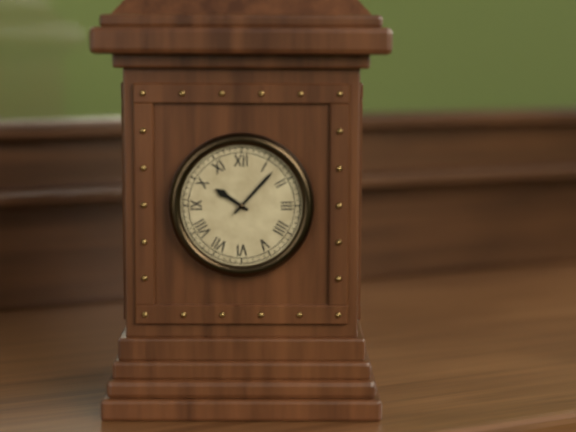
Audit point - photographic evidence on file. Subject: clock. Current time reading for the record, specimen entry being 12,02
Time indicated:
10,07
